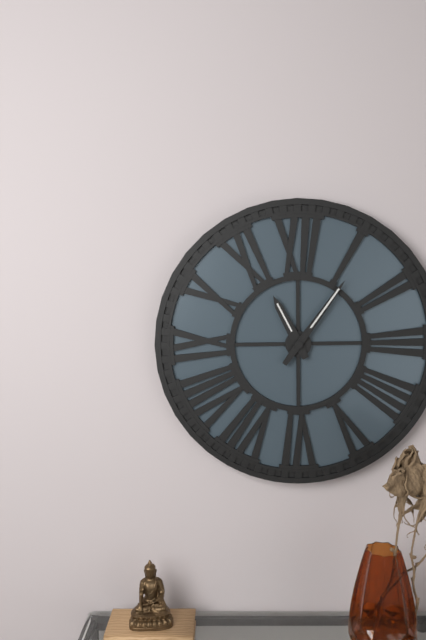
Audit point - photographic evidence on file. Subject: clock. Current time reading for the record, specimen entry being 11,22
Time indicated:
11,06
